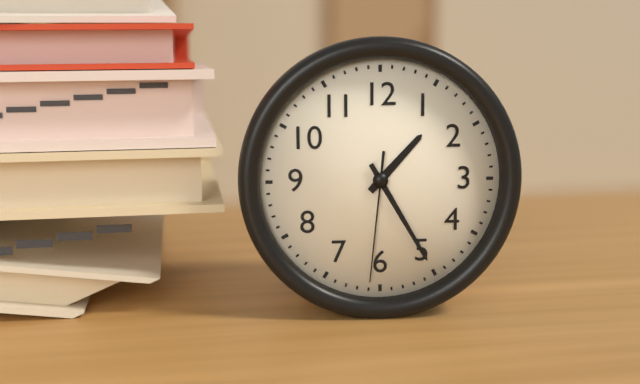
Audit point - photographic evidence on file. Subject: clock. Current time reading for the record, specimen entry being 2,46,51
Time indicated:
1,25,31
